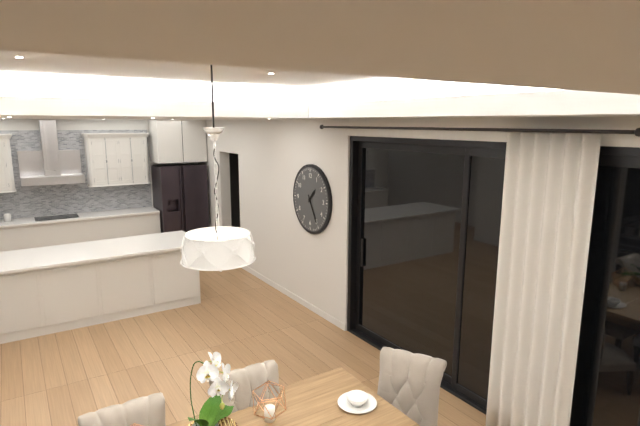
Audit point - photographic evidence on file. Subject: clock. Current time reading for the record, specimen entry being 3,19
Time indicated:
1,25
